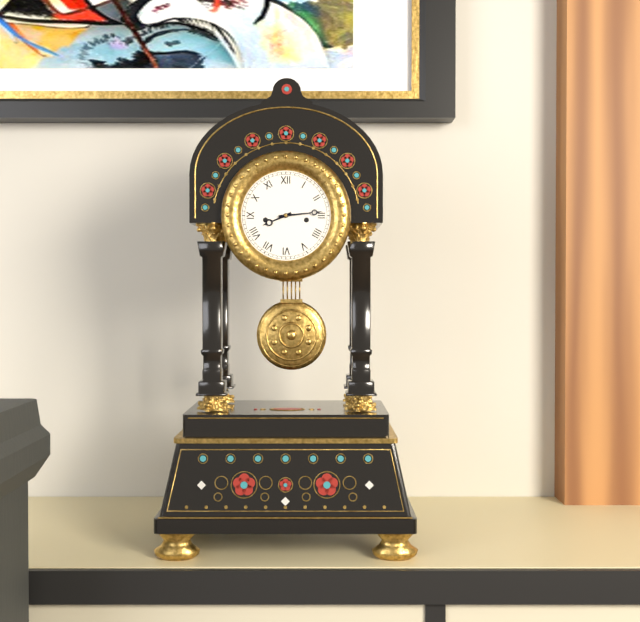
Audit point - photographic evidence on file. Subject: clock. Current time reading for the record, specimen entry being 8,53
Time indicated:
8,14
